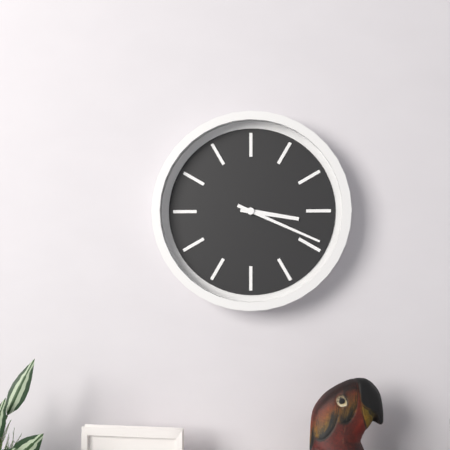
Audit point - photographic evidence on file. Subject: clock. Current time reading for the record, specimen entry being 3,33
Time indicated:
3,19
